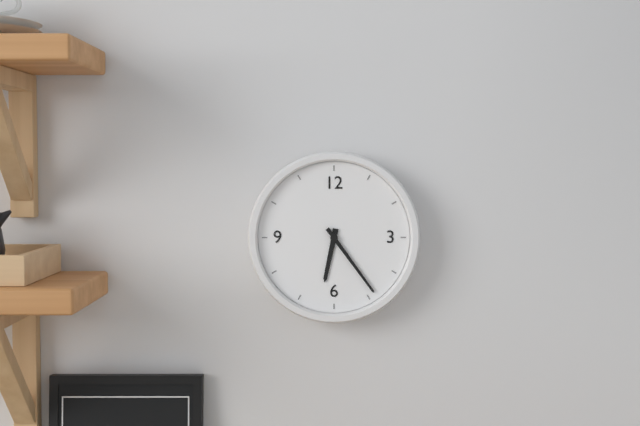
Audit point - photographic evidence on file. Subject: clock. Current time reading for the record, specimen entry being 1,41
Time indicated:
6,24
